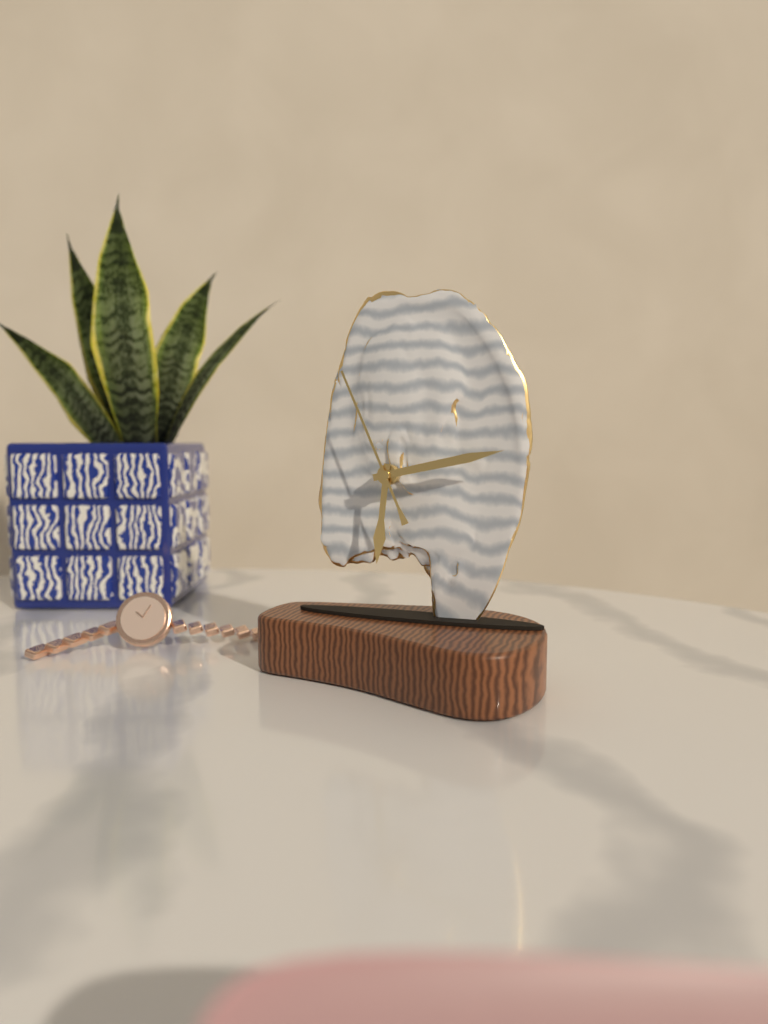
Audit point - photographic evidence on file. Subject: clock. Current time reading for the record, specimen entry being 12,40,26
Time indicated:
6,13,56
